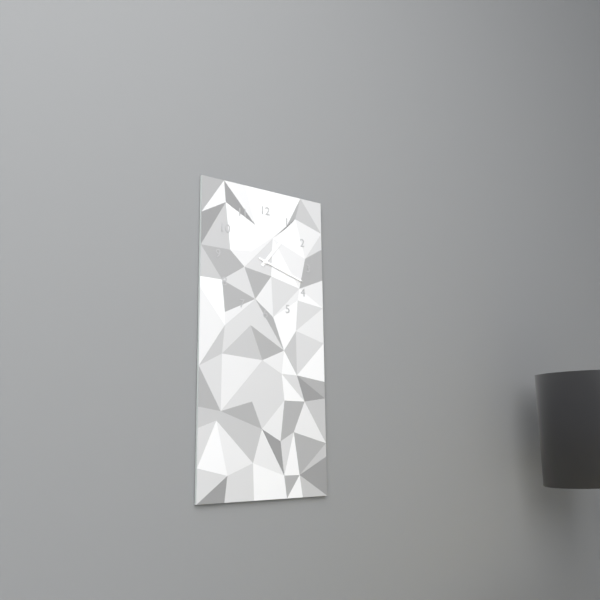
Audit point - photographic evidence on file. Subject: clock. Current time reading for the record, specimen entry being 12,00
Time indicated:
1,18
